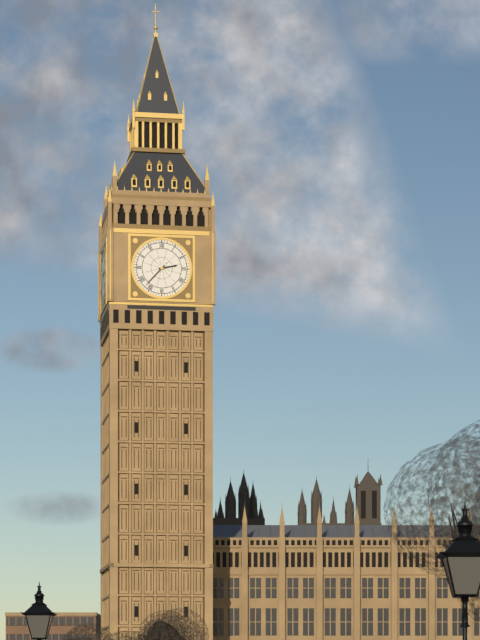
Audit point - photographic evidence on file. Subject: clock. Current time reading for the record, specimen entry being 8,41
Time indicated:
2,37
